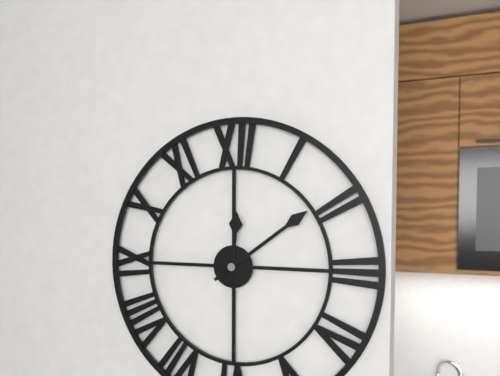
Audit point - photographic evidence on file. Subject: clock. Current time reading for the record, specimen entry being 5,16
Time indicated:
12,09
